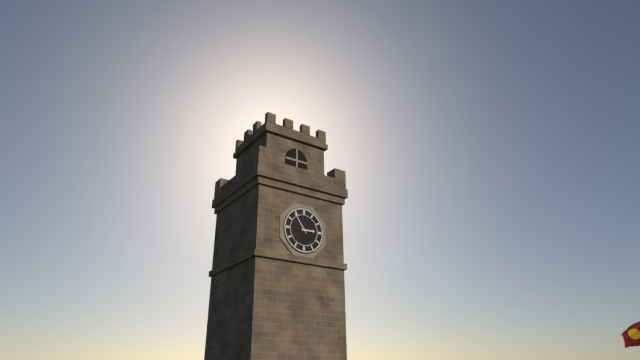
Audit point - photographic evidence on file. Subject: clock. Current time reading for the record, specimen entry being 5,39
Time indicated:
2,54
